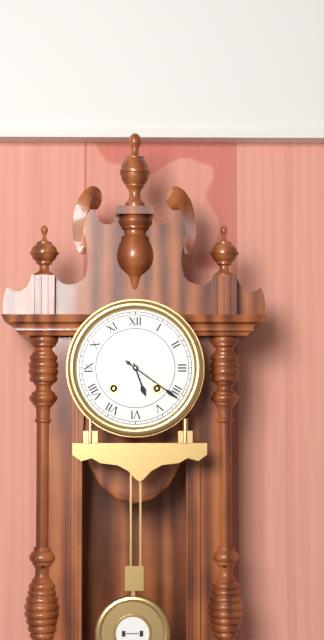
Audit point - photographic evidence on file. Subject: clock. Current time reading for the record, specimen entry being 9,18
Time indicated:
5,21
